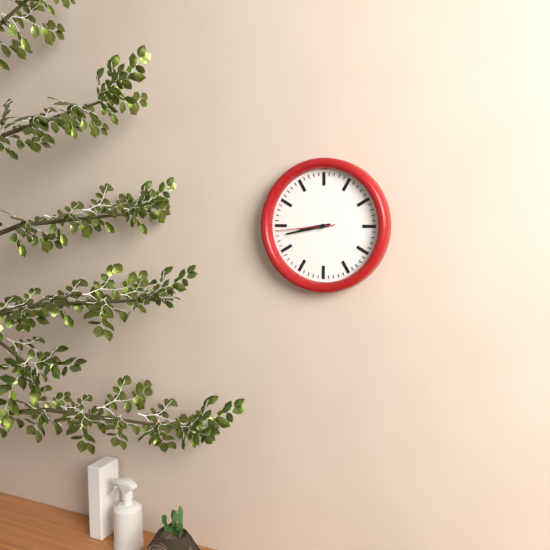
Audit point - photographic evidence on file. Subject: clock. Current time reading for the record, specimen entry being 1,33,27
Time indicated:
8,43,44
